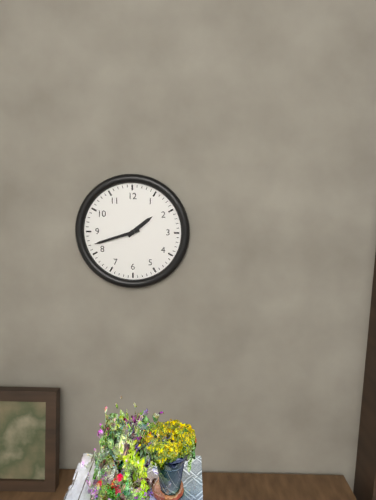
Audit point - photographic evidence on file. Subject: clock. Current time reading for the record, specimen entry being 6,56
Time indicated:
1,42
